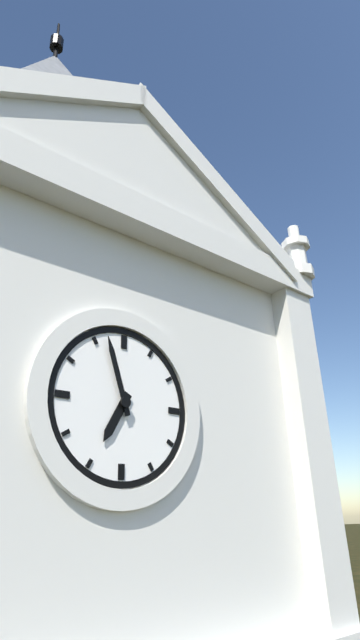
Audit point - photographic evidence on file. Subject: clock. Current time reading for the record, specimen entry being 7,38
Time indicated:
6,57
